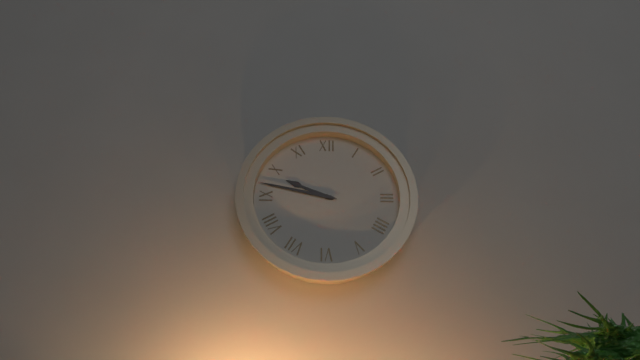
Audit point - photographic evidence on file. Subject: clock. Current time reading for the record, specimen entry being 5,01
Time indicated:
9,47
